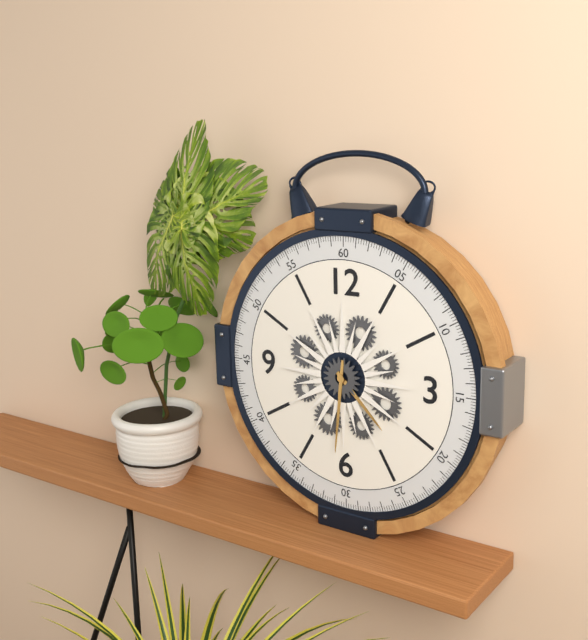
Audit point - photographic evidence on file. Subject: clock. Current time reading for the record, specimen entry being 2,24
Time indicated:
4,31
